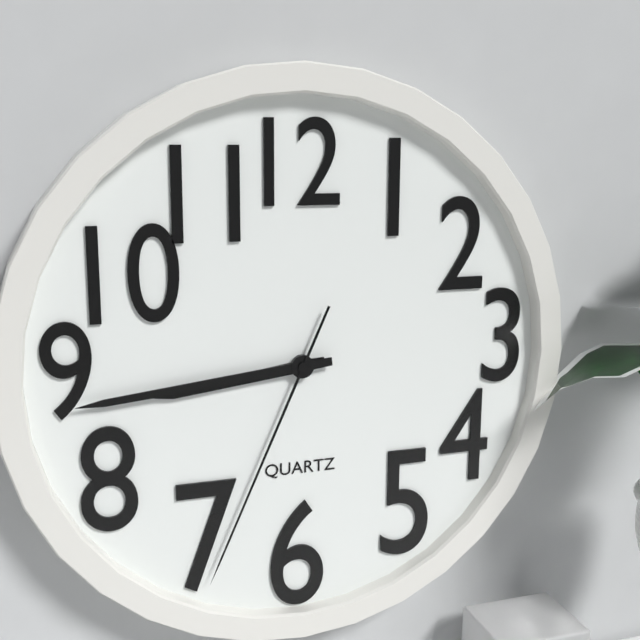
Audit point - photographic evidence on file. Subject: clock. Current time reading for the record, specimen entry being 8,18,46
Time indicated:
8,44,34
